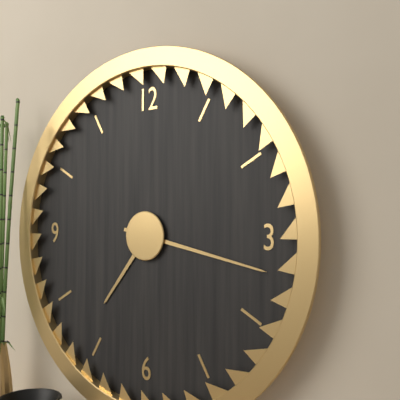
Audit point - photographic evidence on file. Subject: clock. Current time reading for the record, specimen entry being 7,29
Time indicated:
7,17
